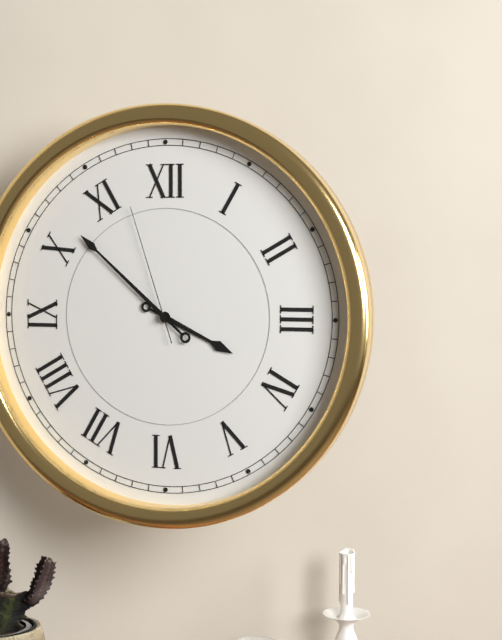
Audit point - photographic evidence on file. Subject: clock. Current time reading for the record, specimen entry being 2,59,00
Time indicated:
3,52,57
